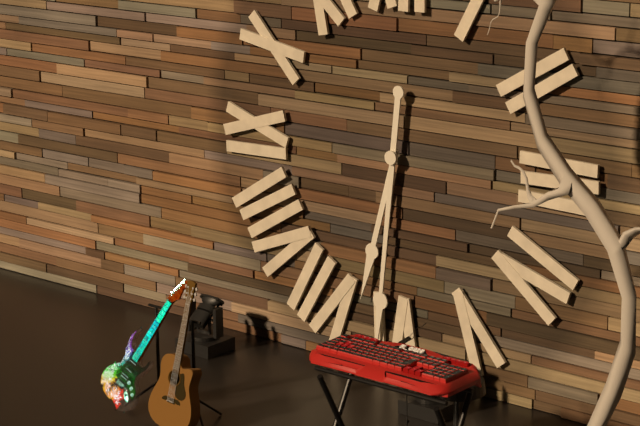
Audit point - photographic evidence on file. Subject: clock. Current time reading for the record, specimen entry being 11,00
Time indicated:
6,31
